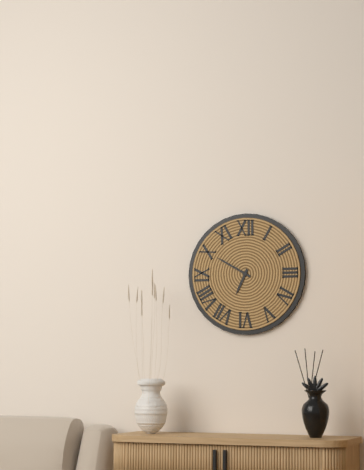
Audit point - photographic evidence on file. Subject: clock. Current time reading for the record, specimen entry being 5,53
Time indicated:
6,50
